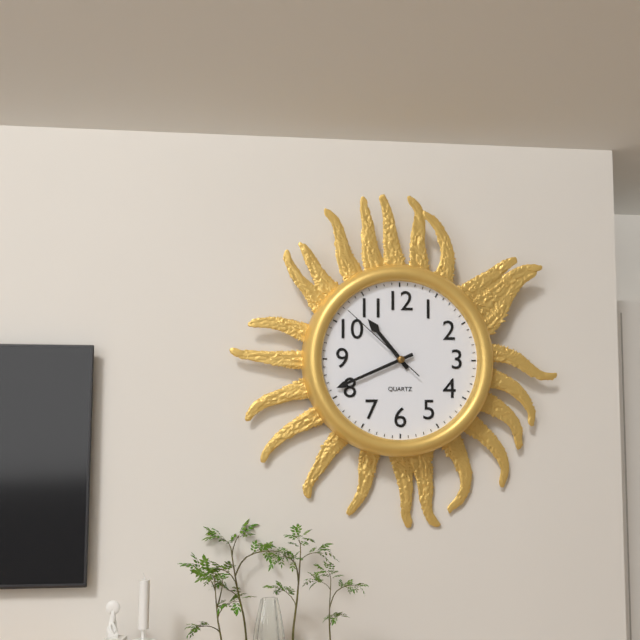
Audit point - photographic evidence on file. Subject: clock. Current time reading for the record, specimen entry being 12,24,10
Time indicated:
10,41,52
